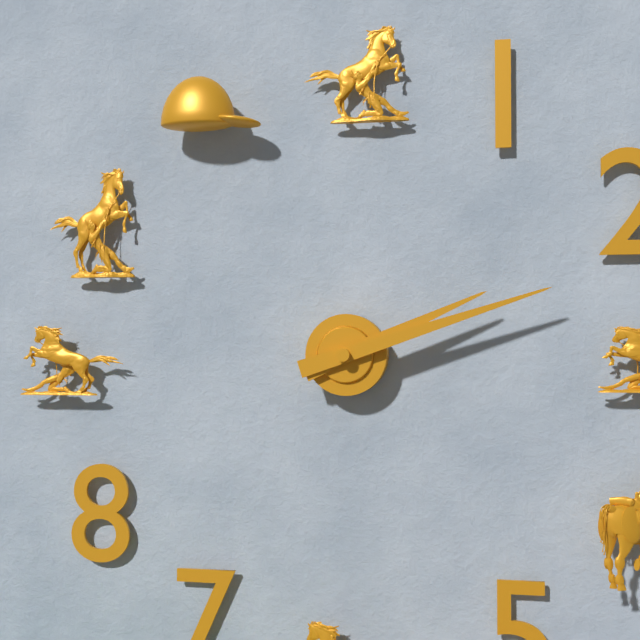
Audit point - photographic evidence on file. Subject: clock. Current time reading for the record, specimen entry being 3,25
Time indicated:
2,12
